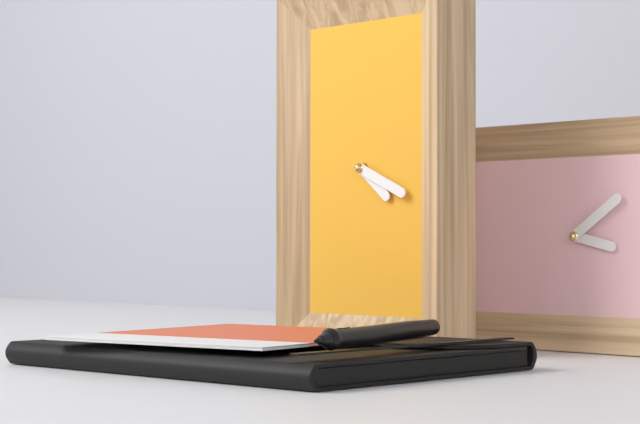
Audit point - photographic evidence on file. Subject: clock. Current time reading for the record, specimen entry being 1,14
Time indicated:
4,19
